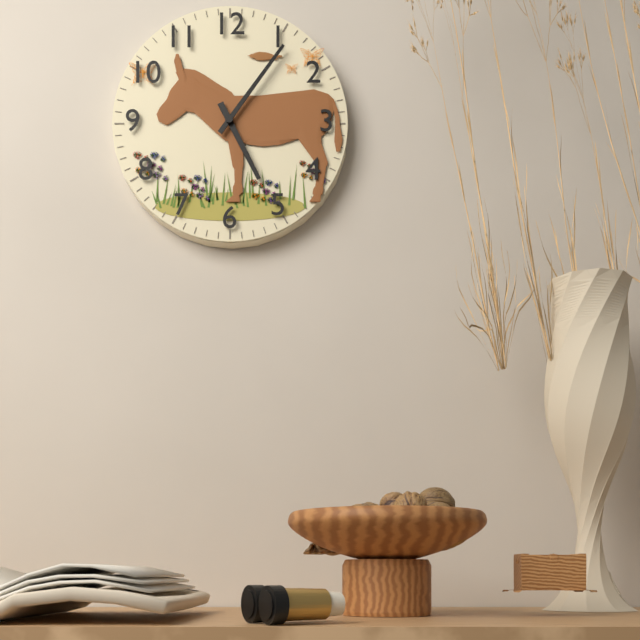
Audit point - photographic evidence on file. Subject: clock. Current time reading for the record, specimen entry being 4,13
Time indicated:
5,06
